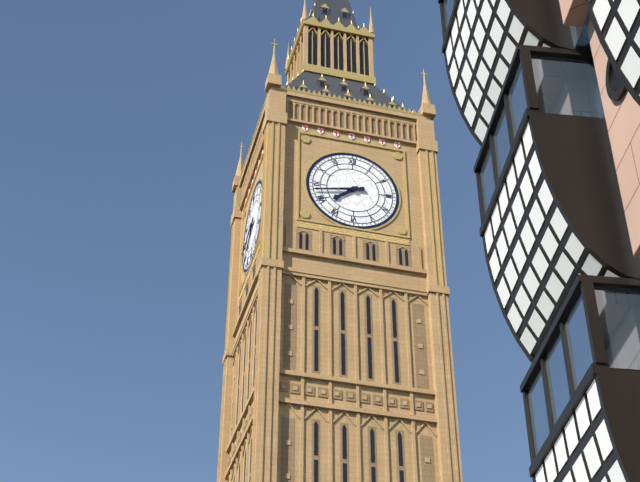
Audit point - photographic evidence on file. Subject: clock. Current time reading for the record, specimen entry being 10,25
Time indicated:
7,43
